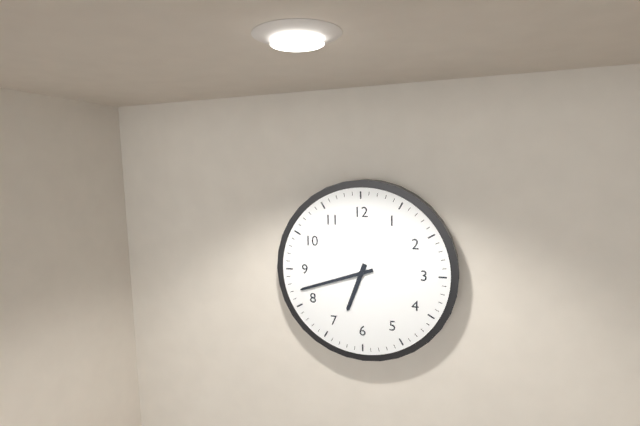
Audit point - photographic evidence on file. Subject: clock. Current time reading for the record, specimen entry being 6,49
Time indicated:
6,42
